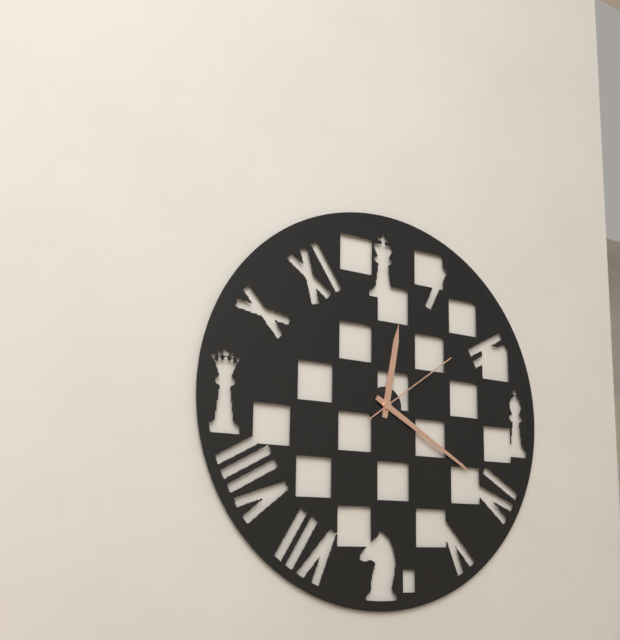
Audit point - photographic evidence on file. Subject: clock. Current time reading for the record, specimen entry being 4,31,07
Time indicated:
12,20,09
